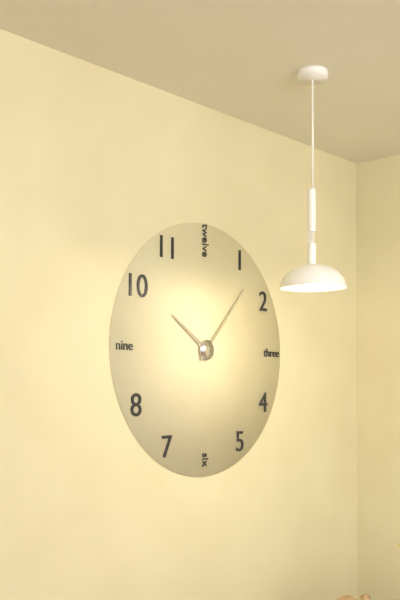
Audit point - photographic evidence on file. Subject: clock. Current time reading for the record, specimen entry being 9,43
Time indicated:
10,07
